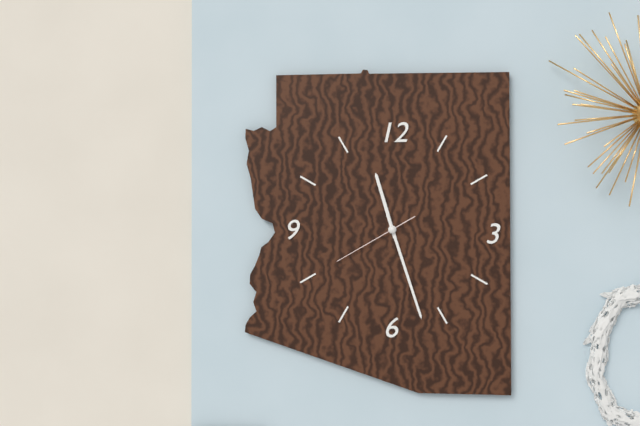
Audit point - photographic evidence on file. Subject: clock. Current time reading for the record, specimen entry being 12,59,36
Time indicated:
11,27,40
